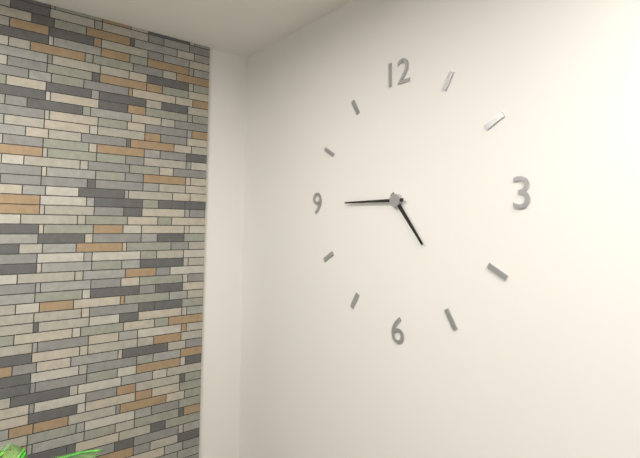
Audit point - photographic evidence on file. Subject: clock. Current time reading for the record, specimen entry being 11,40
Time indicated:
4,45
